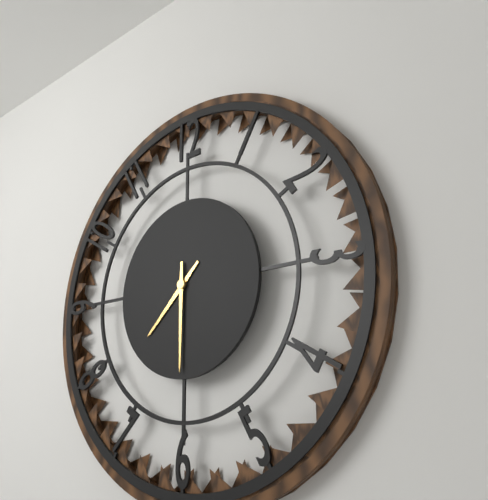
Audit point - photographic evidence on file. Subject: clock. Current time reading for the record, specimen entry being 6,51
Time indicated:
7,30
